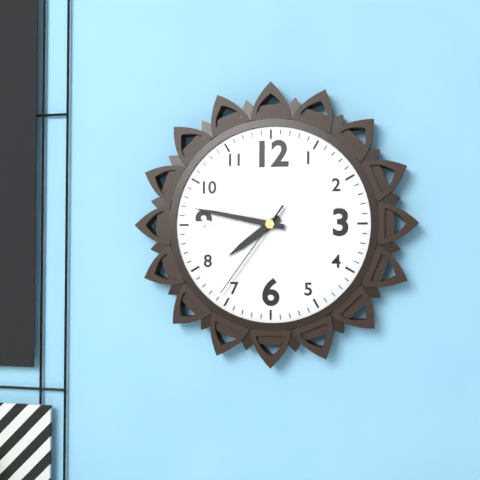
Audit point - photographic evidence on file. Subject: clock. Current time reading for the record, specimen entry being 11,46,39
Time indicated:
7,47,36
